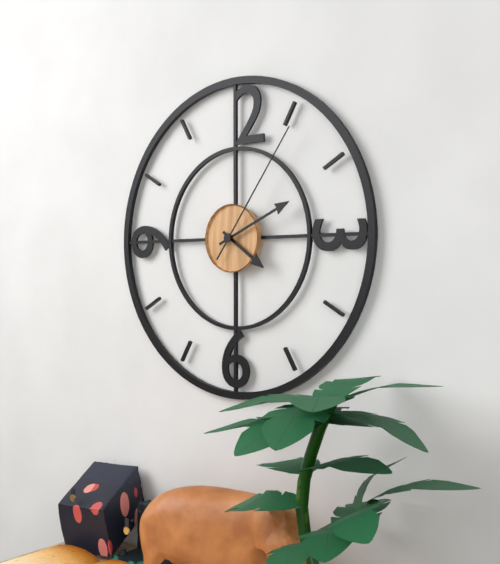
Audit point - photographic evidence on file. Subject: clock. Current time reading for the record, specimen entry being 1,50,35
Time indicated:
4,11,06
